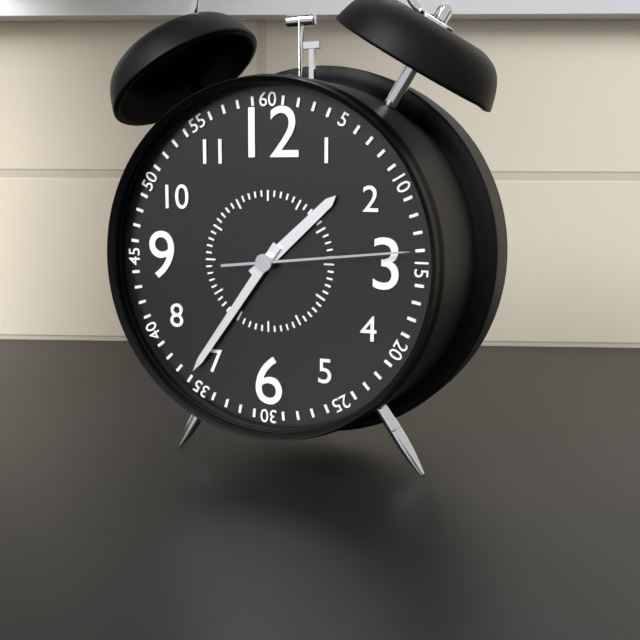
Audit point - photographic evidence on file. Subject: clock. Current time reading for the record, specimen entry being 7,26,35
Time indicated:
1,36,14
